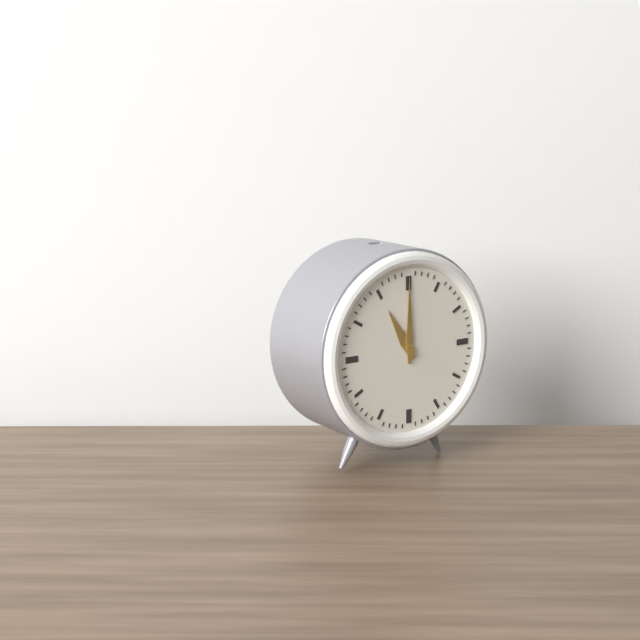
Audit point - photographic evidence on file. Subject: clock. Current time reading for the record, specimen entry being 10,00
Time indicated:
11,00
